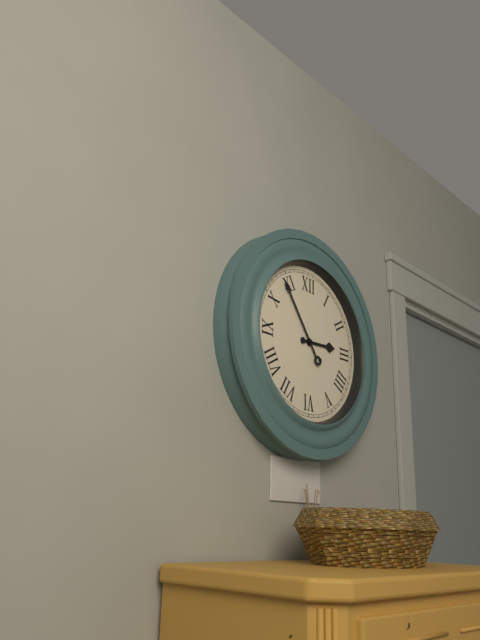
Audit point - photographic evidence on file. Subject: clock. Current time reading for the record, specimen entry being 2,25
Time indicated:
2,54
